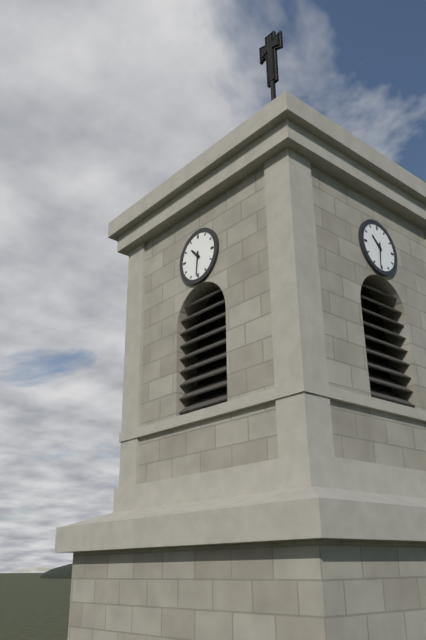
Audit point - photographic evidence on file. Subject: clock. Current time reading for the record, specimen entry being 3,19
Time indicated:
10,31
